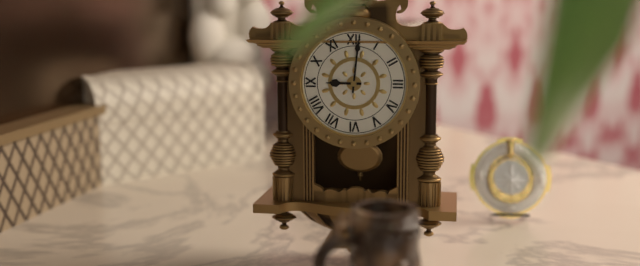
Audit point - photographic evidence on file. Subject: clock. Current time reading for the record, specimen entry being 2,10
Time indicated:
9,01
